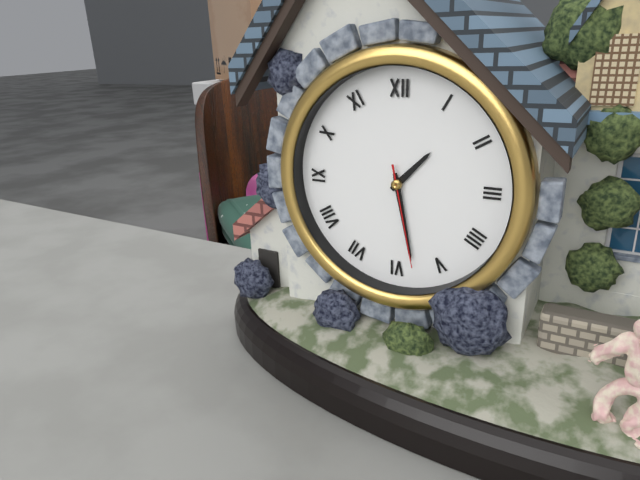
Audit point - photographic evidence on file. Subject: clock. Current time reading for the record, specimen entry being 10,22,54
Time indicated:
1,28,28
